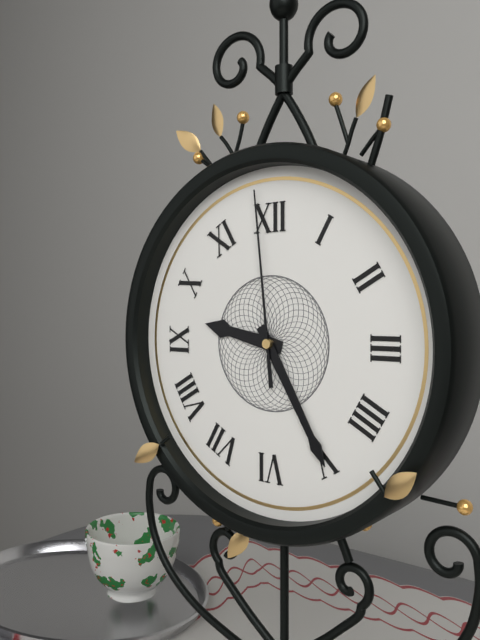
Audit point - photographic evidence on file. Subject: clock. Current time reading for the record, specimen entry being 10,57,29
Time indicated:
9,25,59
